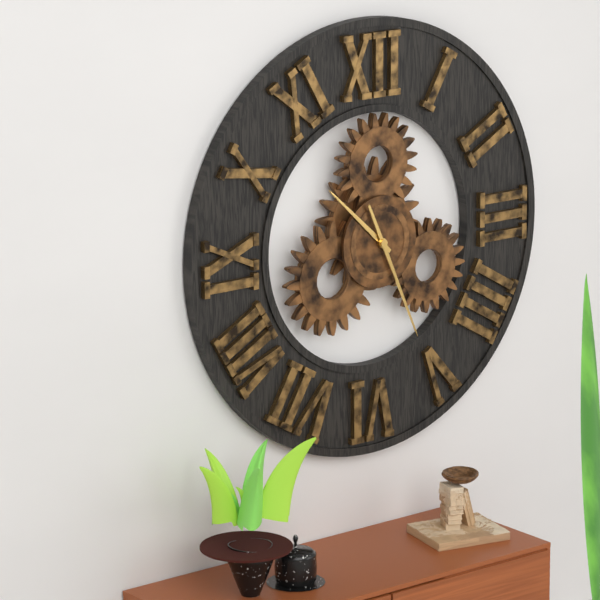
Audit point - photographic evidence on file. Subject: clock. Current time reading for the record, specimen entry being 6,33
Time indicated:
10,26
